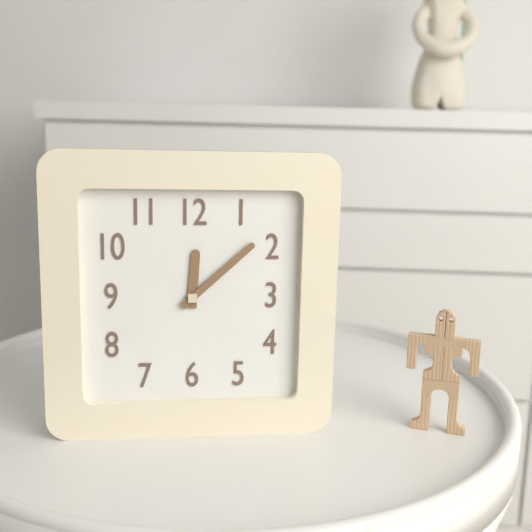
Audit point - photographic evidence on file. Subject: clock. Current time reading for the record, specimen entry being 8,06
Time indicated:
12,08
